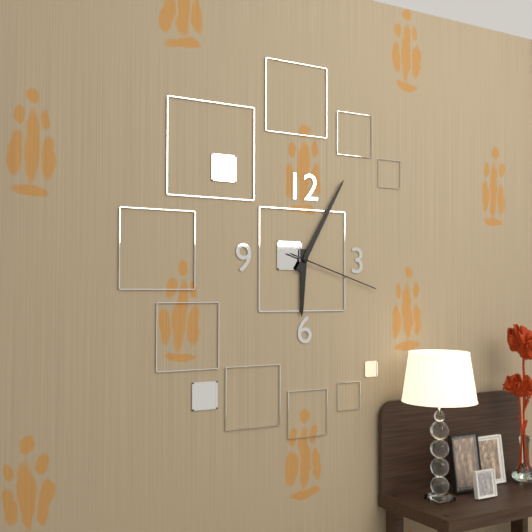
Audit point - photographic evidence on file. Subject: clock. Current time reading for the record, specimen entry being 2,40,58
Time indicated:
6,05,18
